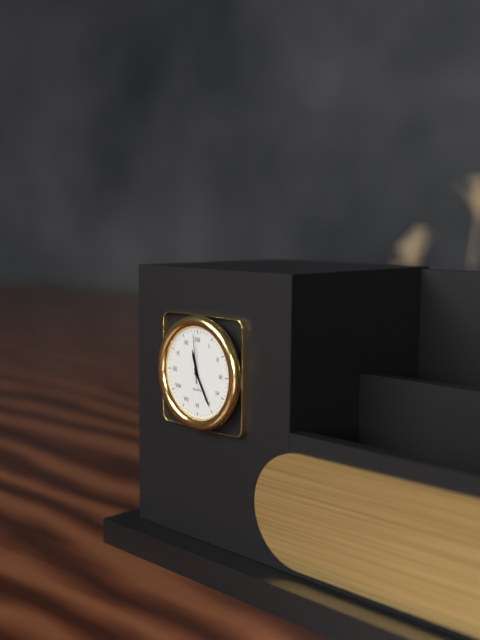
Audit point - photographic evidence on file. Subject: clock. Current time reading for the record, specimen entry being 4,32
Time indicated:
11,25
